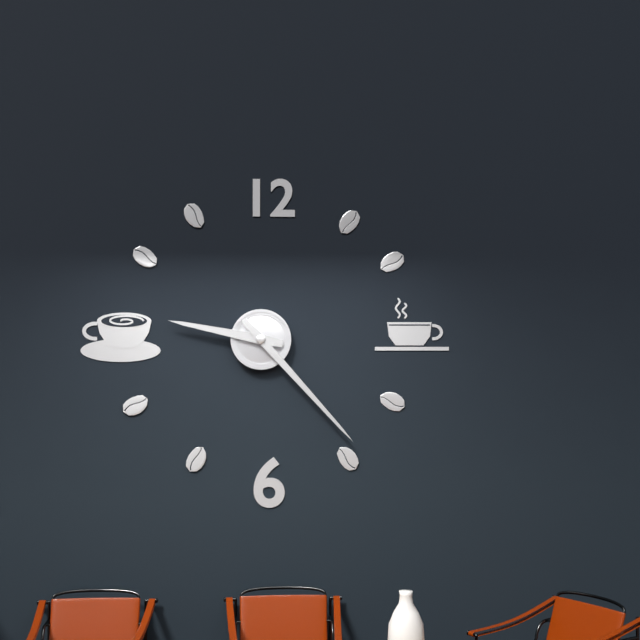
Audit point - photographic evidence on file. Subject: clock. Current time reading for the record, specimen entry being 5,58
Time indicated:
9,23
